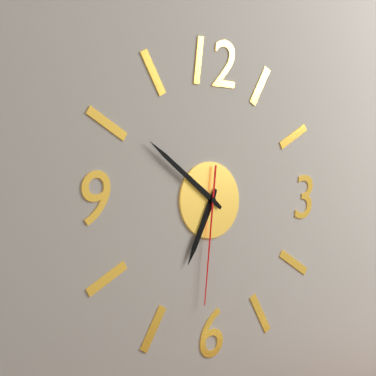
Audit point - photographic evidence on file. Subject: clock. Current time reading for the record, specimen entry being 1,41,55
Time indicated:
6,51,31
